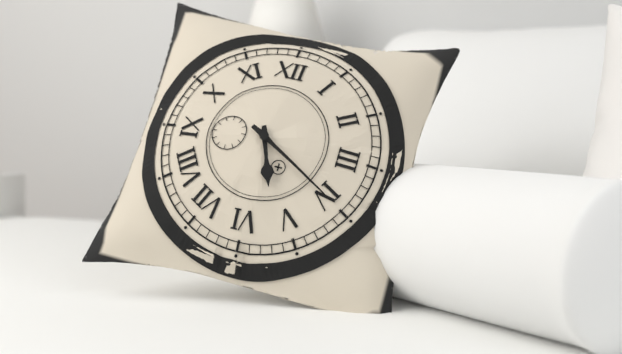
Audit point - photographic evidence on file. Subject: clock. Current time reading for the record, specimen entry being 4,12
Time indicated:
5,20
